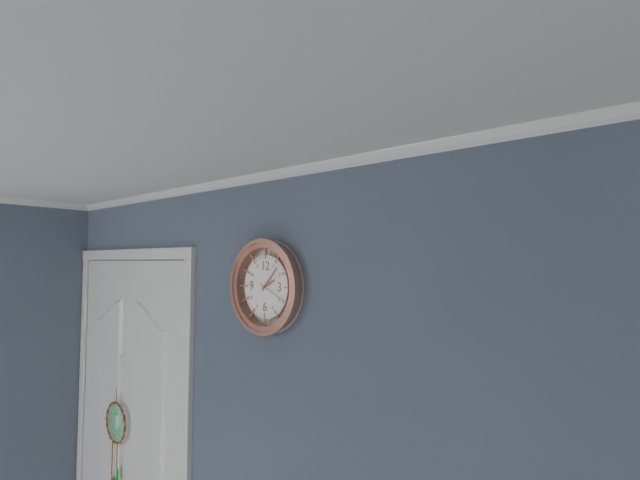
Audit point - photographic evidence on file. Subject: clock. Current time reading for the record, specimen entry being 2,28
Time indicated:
2,07
